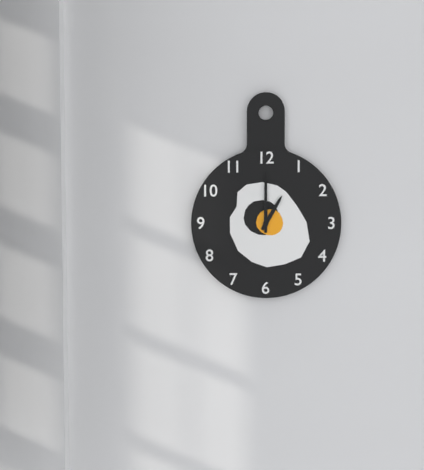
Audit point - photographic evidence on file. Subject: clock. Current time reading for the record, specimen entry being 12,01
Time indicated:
1,00
